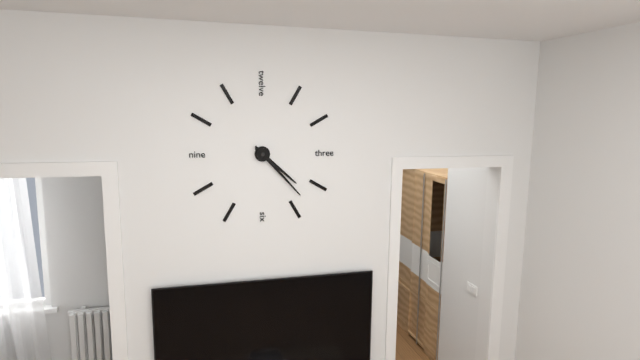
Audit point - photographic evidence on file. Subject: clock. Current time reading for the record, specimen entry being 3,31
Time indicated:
4,23
